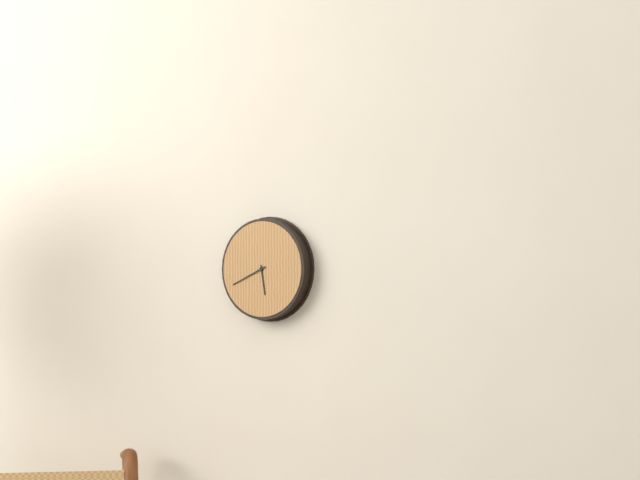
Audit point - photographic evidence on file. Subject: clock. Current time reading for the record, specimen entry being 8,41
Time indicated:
5,41
